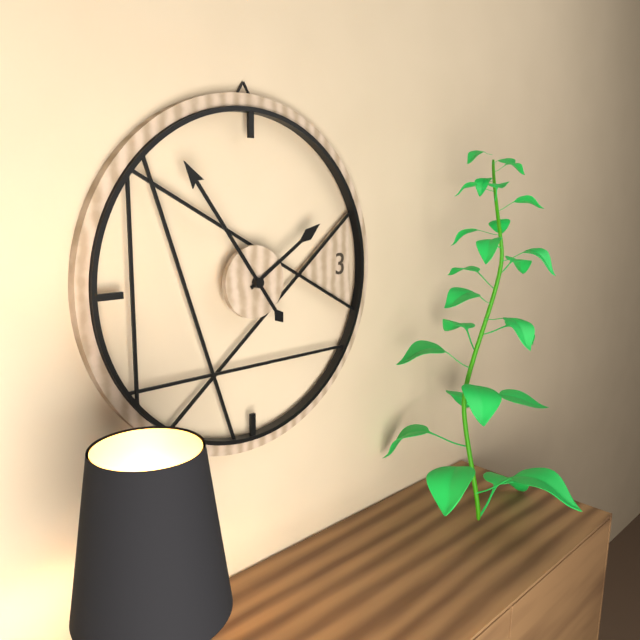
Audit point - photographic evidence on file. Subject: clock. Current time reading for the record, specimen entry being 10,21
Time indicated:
1,54
